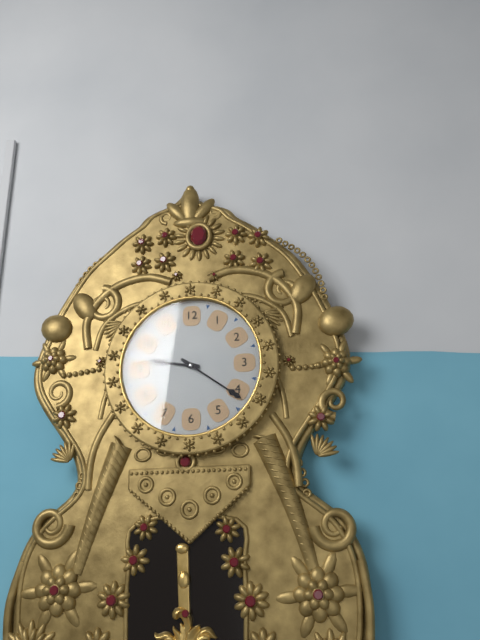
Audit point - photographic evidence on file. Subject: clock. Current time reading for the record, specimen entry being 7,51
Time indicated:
9,21
